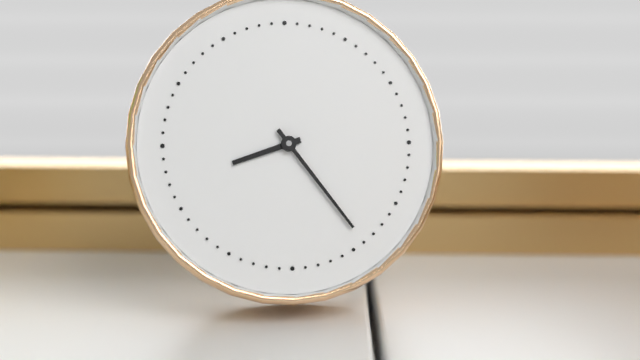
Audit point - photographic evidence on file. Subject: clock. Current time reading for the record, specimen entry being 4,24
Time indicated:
8,24
